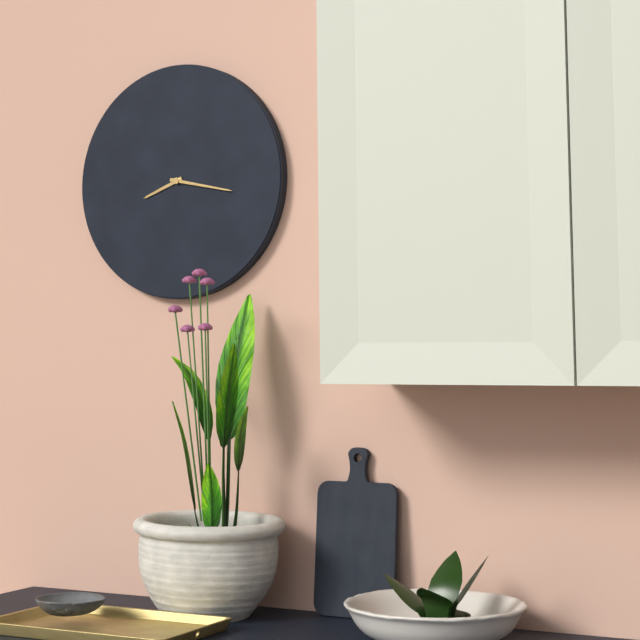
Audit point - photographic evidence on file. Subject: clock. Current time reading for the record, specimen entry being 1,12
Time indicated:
8,17
